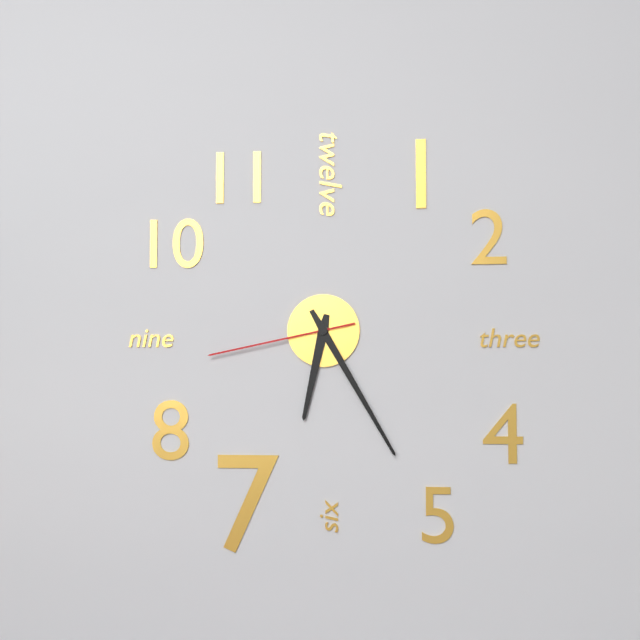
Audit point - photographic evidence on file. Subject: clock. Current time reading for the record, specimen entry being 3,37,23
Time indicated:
6,25,43
